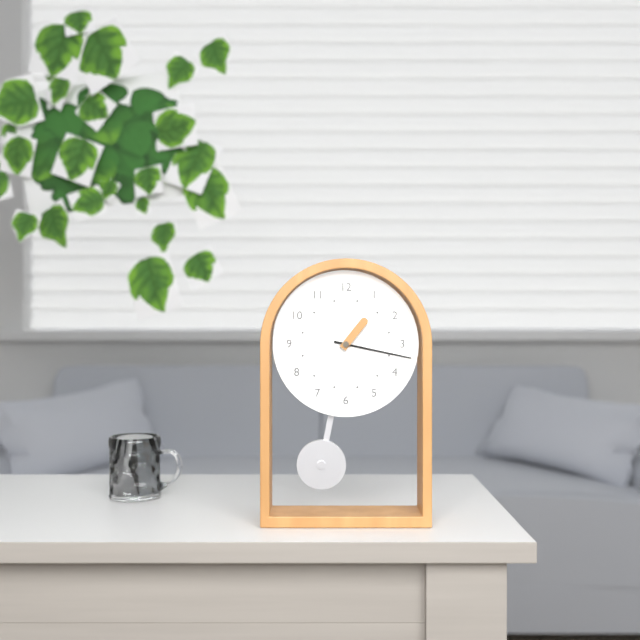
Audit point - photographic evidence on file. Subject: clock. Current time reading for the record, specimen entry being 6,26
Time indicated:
1,17
